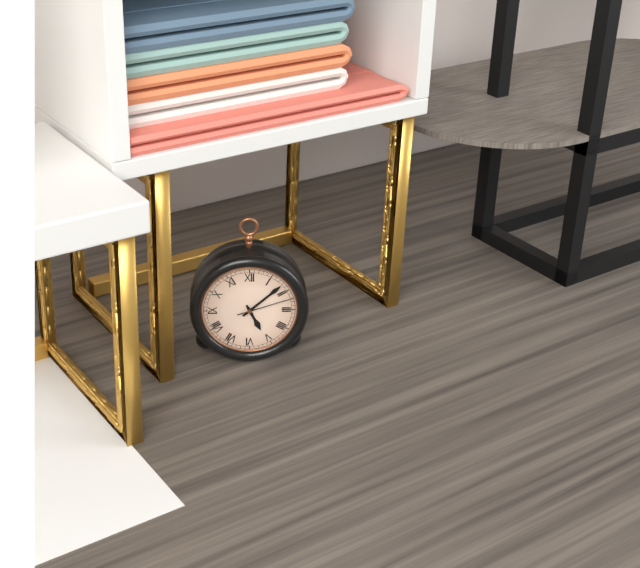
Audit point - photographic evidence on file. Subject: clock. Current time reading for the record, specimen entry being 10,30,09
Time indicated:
5,08,12
